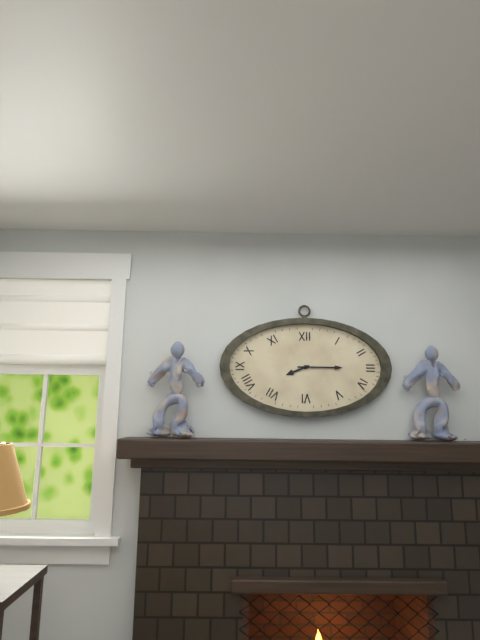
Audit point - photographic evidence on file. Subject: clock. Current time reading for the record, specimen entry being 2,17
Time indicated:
8,15
